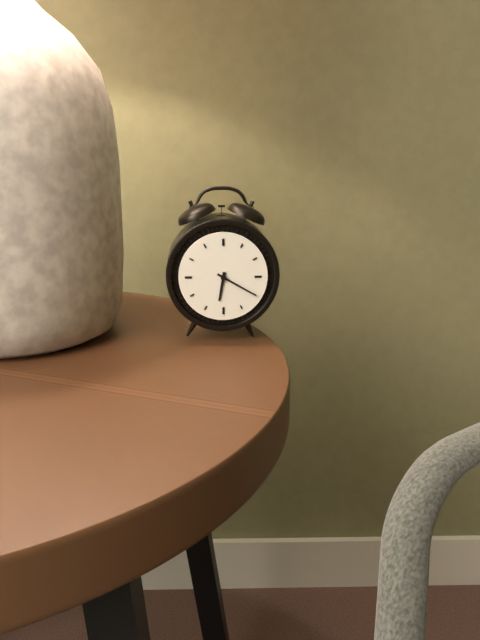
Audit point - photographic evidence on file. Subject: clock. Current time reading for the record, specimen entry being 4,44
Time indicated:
6,20
